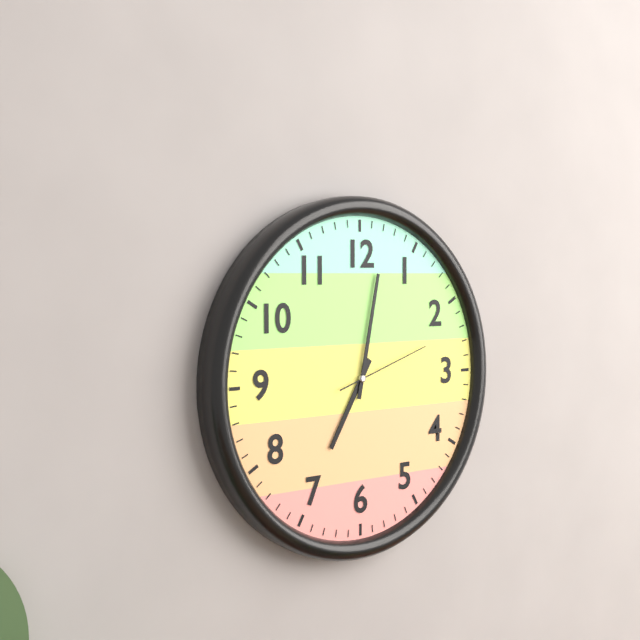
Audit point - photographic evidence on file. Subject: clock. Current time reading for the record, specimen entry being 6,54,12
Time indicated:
7,02,12
